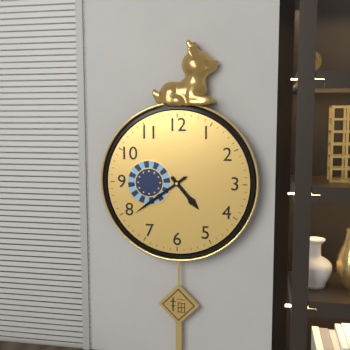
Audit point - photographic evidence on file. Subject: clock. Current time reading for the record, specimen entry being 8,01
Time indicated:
4,39
